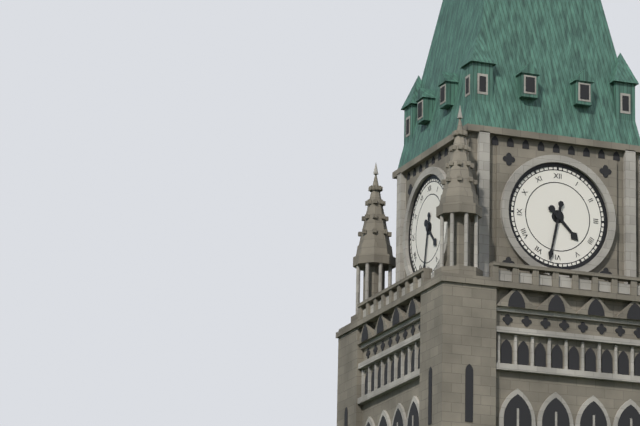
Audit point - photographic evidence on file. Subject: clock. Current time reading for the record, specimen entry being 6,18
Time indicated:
4,32
